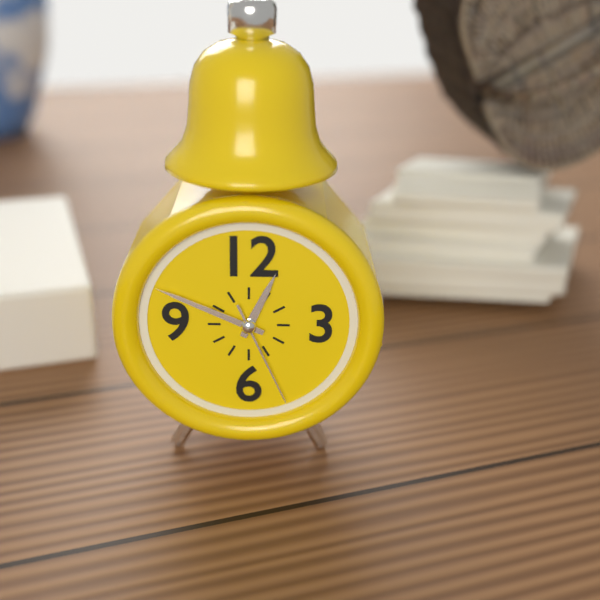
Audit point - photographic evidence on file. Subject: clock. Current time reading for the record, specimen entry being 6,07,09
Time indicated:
12,49,26
